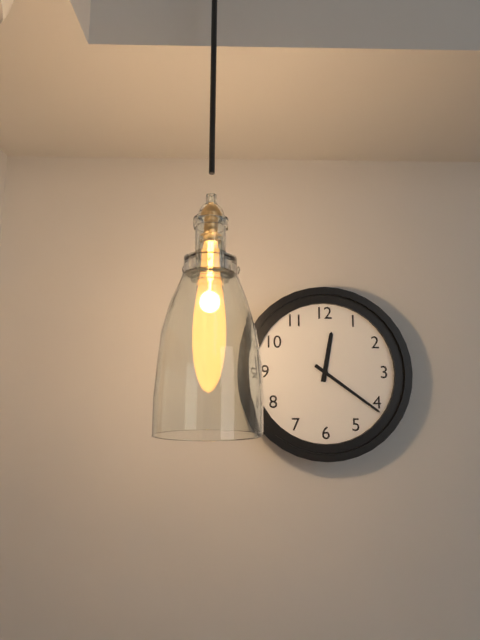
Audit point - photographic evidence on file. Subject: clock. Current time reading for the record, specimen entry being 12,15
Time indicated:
12,21
